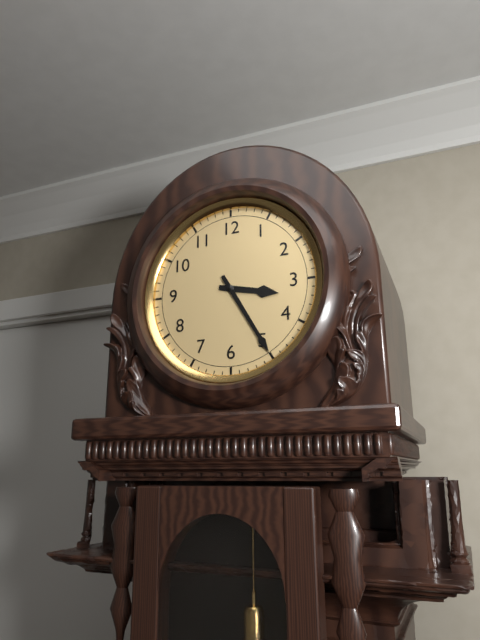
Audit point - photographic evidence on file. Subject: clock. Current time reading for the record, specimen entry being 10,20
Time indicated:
3,25
